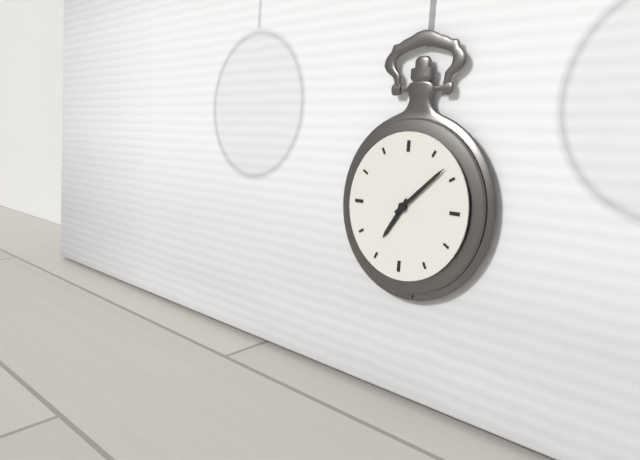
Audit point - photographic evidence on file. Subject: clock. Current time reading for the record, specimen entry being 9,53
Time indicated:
7,08
